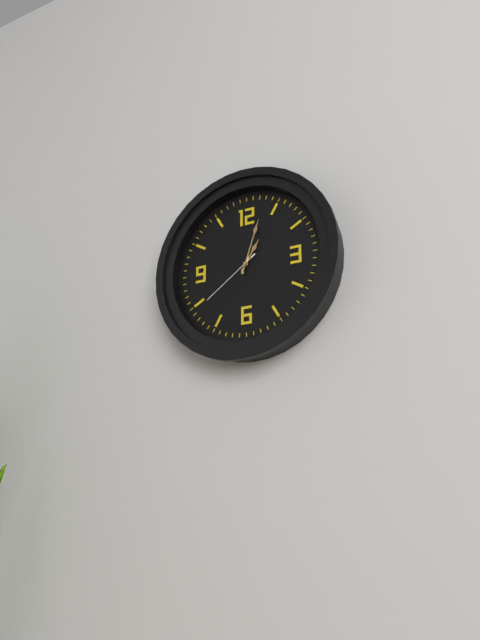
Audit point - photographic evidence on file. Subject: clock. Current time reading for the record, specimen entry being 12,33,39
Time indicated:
1,03,39
